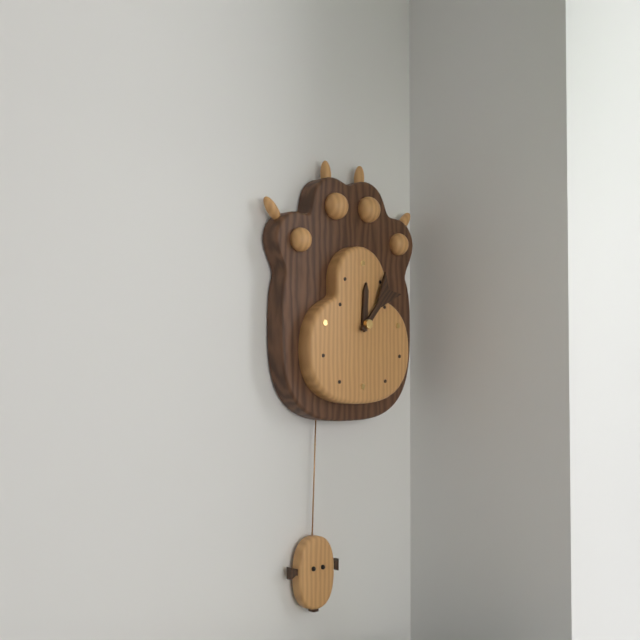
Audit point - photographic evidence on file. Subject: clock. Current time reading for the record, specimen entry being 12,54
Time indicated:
12,07
